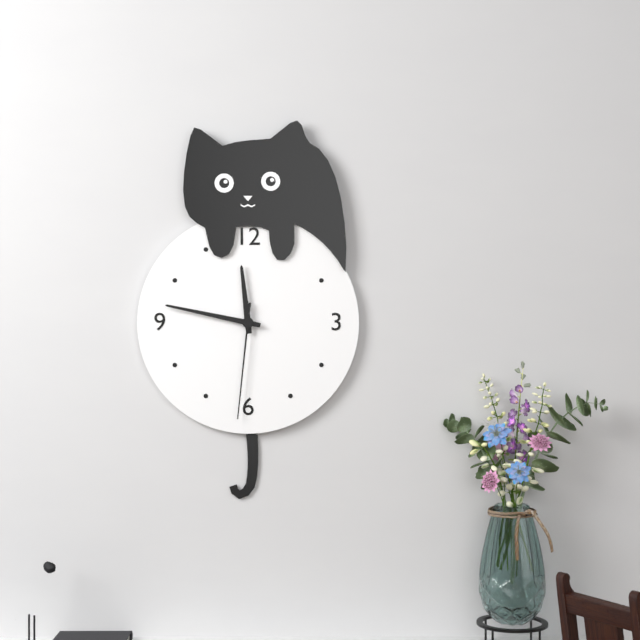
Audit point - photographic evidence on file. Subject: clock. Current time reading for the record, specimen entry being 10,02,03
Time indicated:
11,47,31
